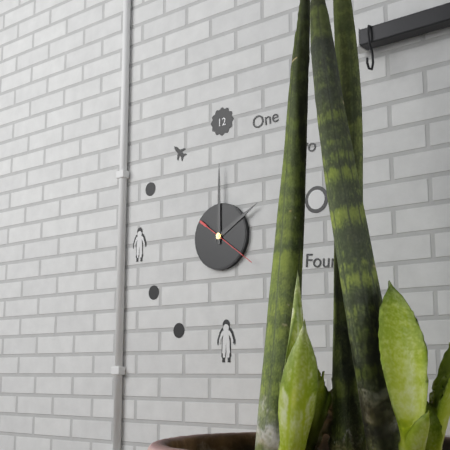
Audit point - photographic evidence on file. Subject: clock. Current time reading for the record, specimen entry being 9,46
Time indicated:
2,00
